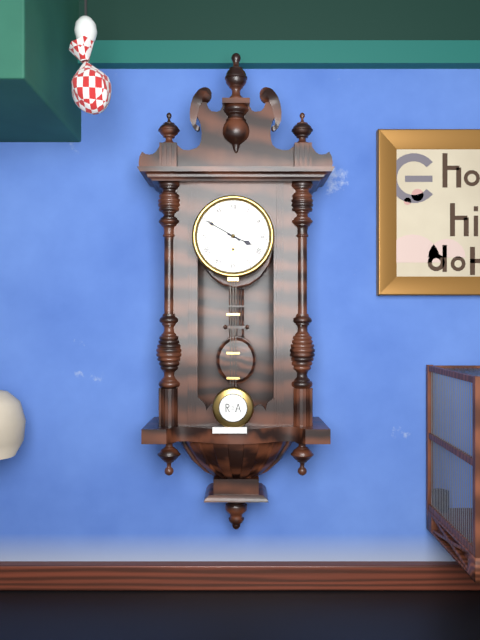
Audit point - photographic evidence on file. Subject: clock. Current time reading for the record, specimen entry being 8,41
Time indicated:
3,50
